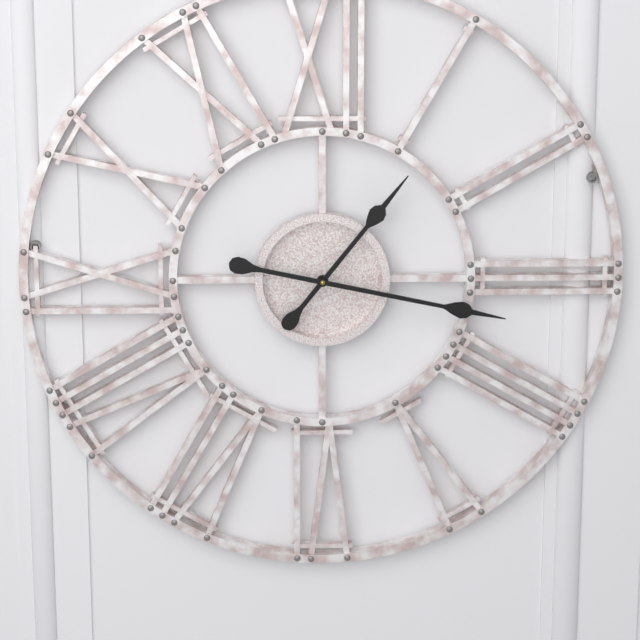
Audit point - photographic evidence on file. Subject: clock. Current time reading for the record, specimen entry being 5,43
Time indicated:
1,17
